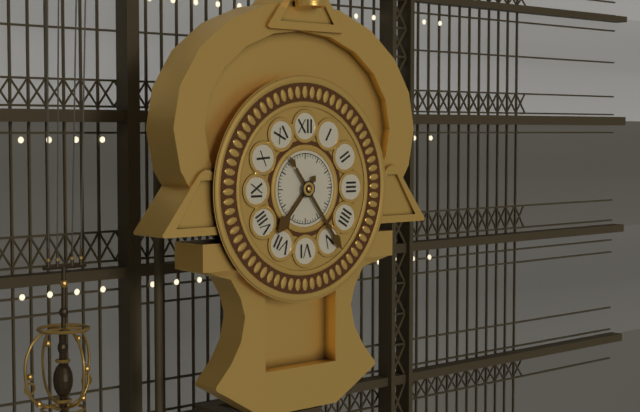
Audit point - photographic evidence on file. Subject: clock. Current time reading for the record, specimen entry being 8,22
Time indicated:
7,24
